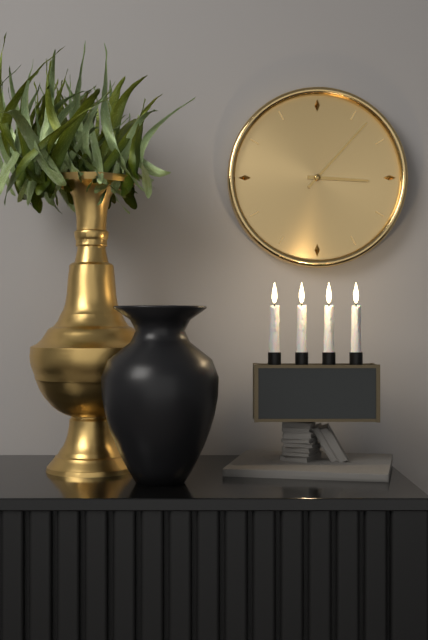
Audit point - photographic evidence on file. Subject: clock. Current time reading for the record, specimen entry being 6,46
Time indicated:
3,07
